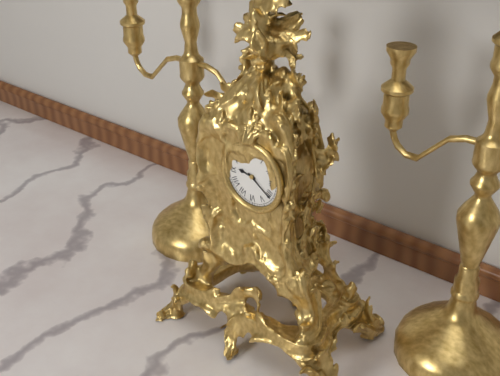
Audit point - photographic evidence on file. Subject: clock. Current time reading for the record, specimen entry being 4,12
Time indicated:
9,21
